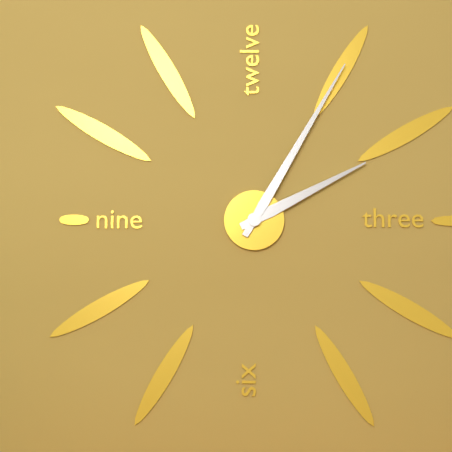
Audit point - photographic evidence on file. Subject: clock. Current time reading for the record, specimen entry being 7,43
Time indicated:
2,05
